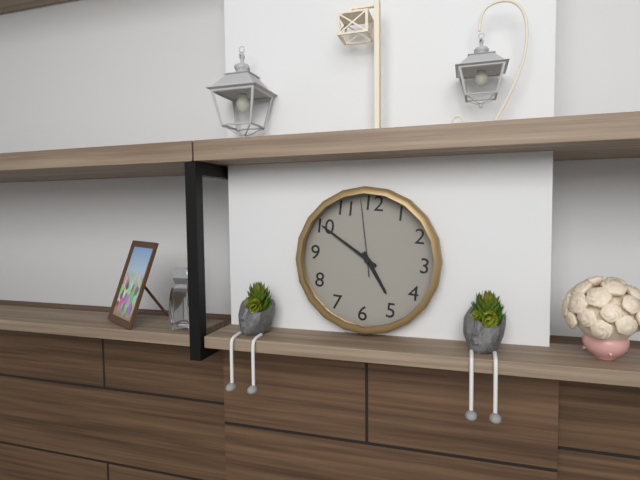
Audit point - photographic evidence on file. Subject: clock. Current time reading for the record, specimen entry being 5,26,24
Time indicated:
4,50,58
